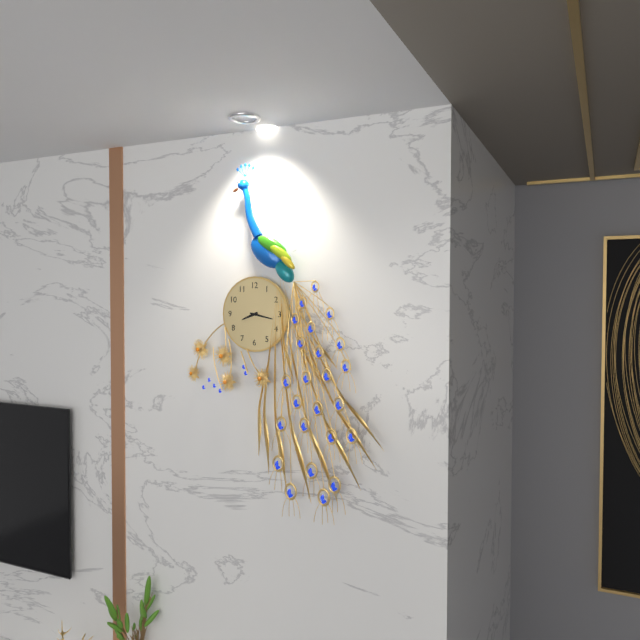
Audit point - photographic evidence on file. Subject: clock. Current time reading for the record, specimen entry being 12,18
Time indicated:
8,17
